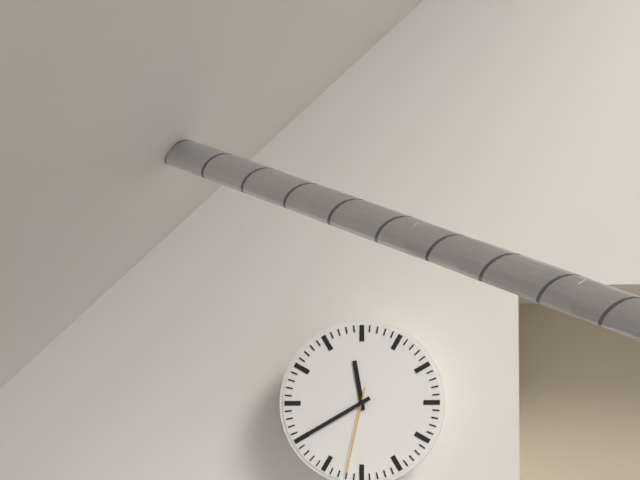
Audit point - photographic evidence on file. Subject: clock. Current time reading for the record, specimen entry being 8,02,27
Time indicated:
11,40,32
